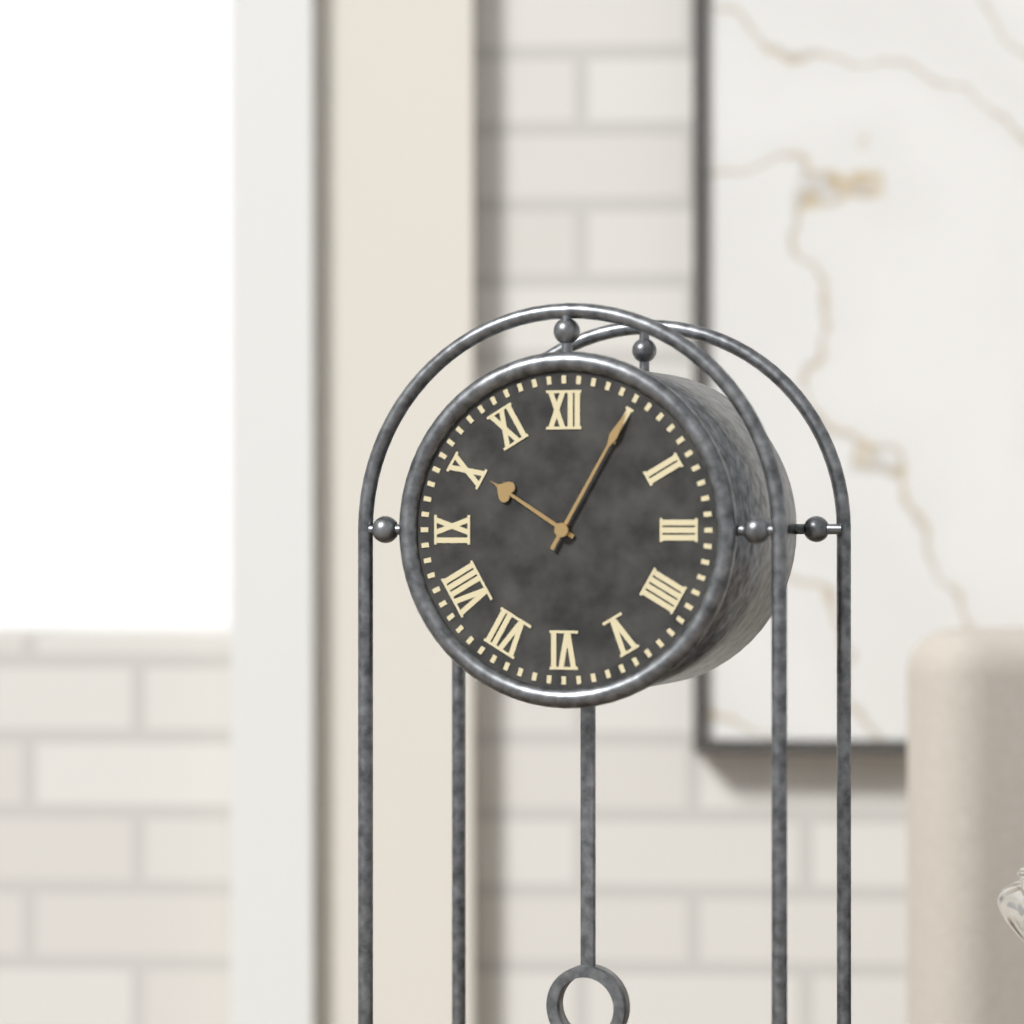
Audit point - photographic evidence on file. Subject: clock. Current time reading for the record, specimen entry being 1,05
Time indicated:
10,05
